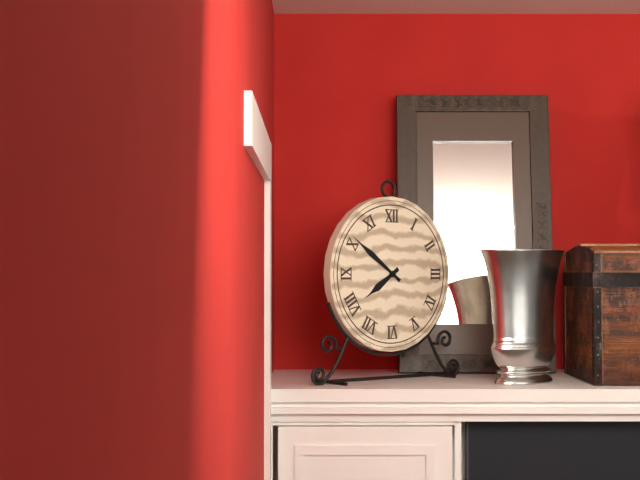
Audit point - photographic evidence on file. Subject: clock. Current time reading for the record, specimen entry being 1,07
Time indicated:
7,51
